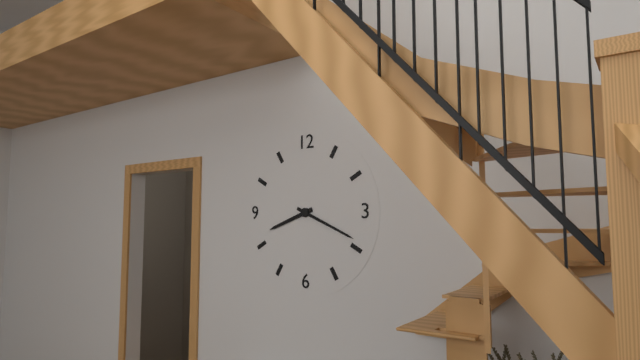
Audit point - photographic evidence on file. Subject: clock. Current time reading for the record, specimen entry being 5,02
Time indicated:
8,19
